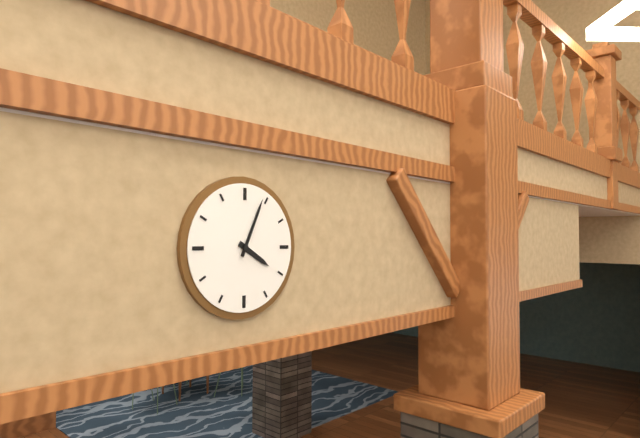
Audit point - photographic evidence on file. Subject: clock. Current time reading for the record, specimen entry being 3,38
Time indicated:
4,04
